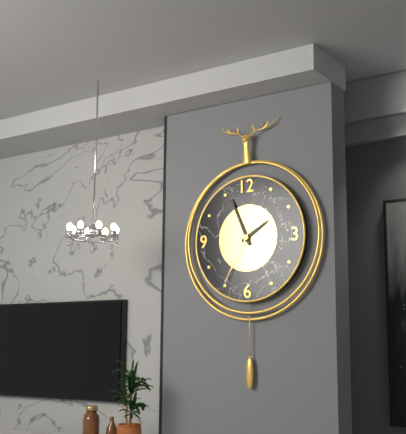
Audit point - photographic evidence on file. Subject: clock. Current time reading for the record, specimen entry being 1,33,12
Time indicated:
1,56,35
